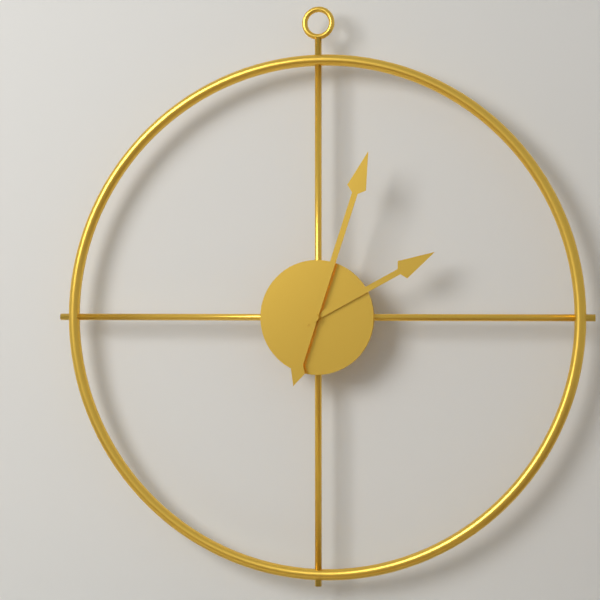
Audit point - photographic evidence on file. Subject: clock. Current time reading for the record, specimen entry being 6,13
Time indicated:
2,03
